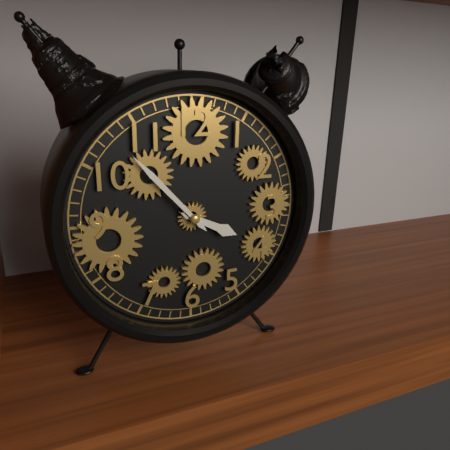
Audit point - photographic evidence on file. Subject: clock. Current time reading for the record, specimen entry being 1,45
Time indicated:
3,53
